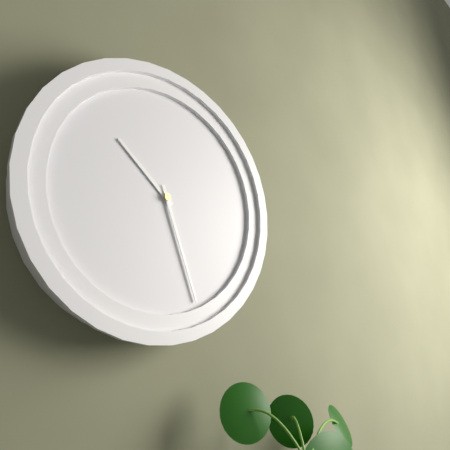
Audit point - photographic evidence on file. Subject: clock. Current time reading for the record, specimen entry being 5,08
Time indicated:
10,27
